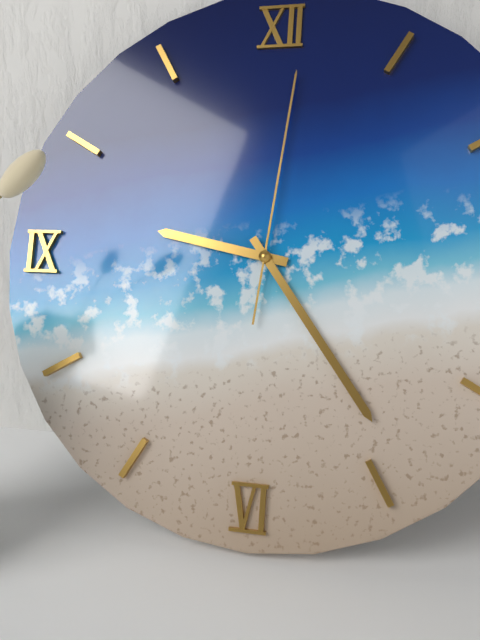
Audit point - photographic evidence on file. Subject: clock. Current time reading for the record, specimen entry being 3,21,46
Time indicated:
9,24,01
